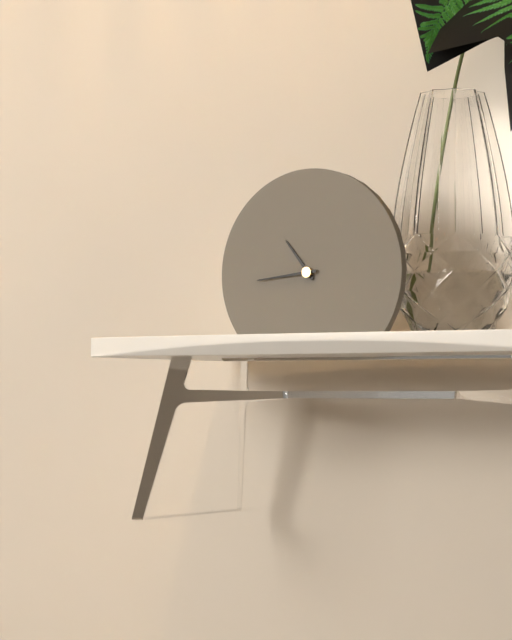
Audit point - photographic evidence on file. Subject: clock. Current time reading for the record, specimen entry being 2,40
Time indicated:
10,44
